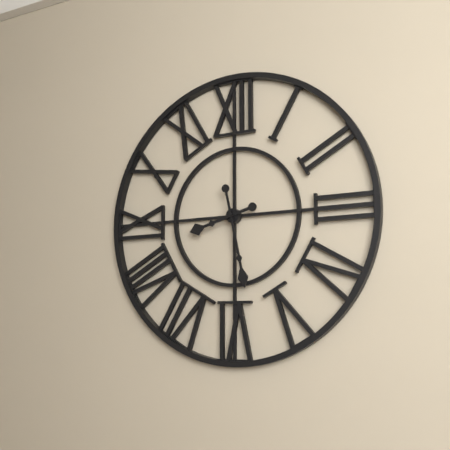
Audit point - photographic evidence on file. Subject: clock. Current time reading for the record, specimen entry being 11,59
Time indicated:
8,28
